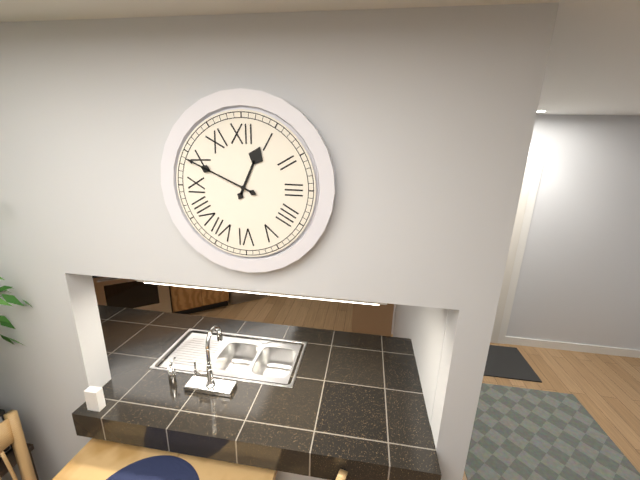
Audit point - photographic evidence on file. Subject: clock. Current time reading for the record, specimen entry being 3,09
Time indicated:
12,49
